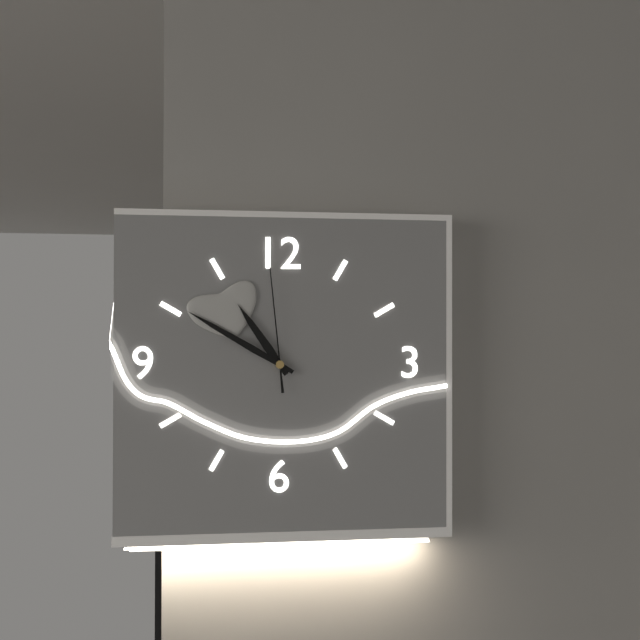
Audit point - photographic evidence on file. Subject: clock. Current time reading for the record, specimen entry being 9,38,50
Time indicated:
10,50,59
